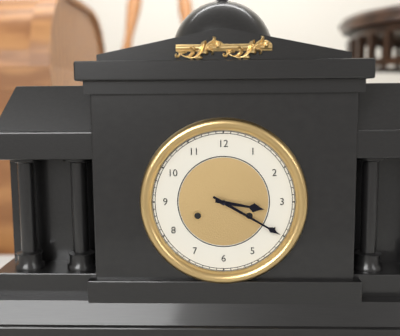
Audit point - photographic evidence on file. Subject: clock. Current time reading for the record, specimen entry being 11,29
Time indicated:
3,20
